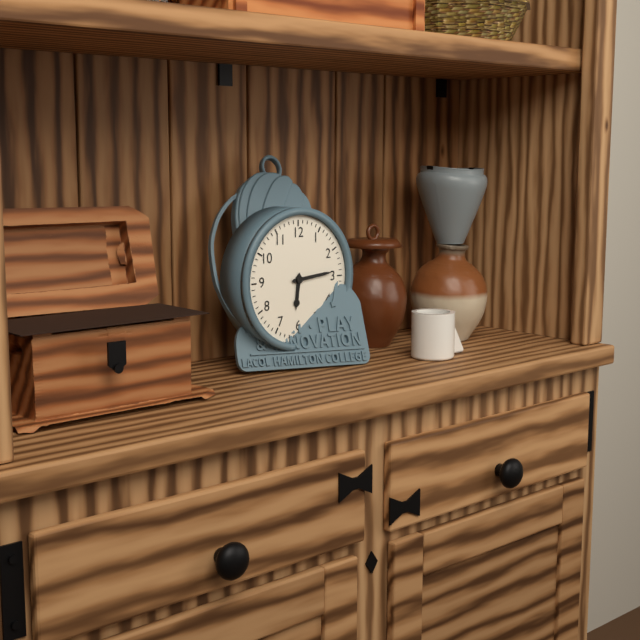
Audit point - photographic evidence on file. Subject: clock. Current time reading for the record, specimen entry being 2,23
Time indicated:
6,14
